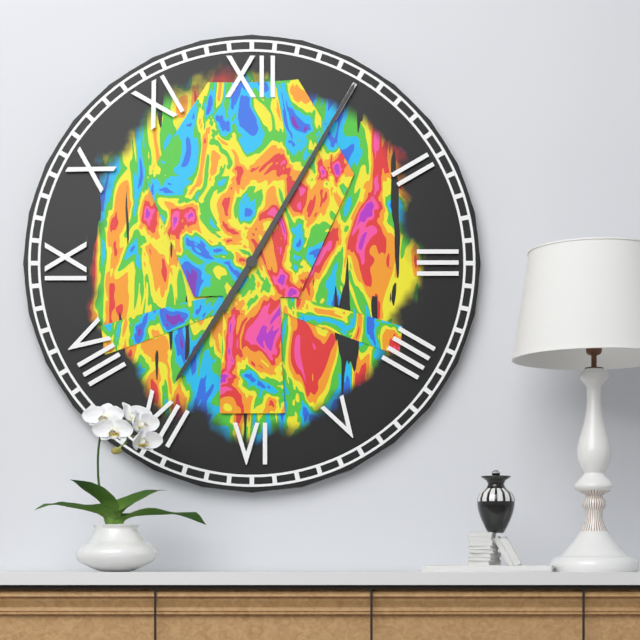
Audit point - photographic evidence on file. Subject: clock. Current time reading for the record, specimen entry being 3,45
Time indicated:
7,05
